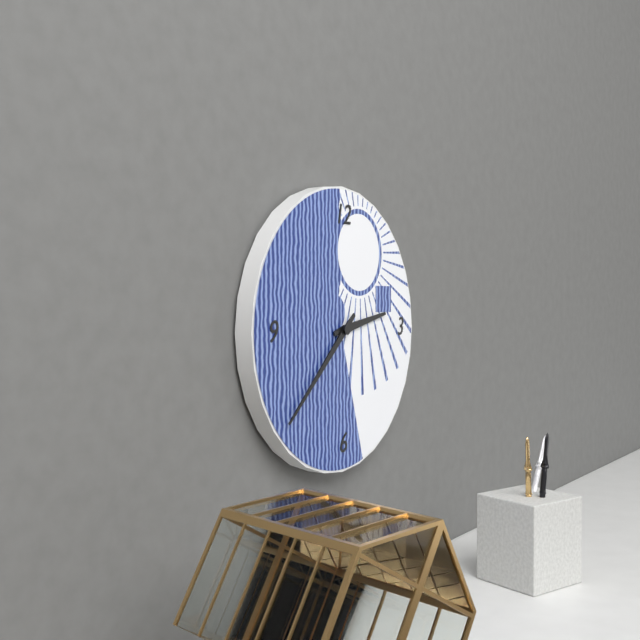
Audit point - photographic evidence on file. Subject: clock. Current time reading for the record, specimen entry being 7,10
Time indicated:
2,38
